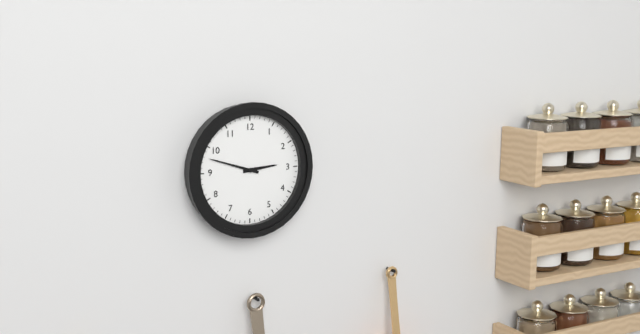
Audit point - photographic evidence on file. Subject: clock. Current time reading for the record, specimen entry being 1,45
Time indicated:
2,48
